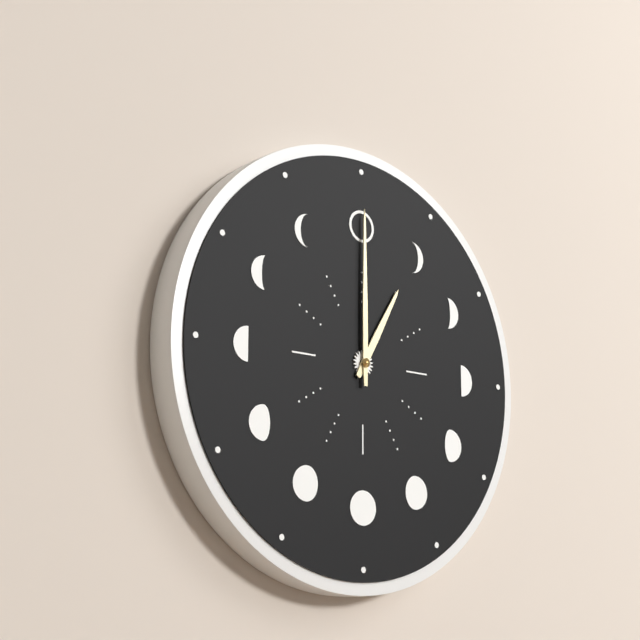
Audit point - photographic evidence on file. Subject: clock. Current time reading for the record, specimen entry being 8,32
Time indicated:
1,00
